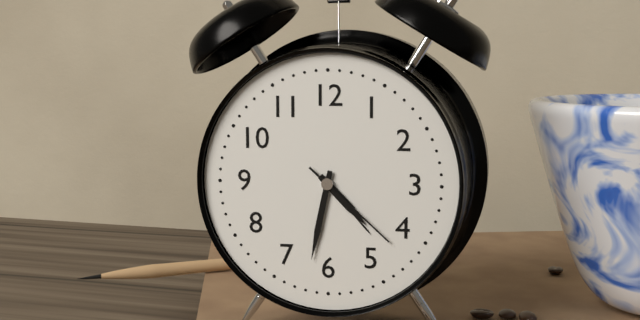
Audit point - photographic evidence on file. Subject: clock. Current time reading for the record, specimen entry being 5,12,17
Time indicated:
4,32,22
